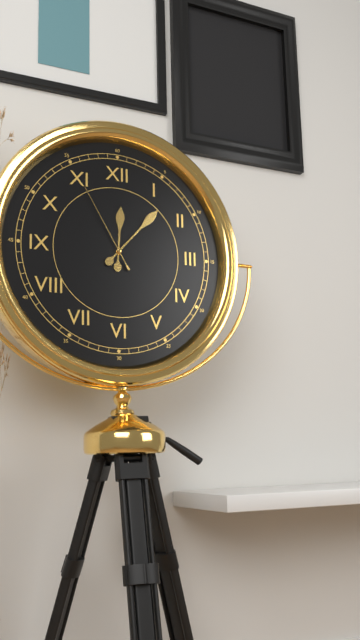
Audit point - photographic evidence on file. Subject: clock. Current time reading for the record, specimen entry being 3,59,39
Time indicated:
12,07,55
